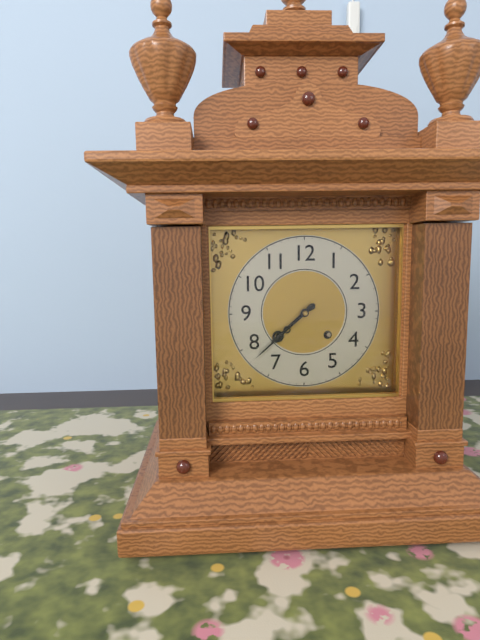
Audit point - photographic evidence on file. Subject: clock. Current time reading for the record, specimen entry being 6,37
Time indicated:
7,38
